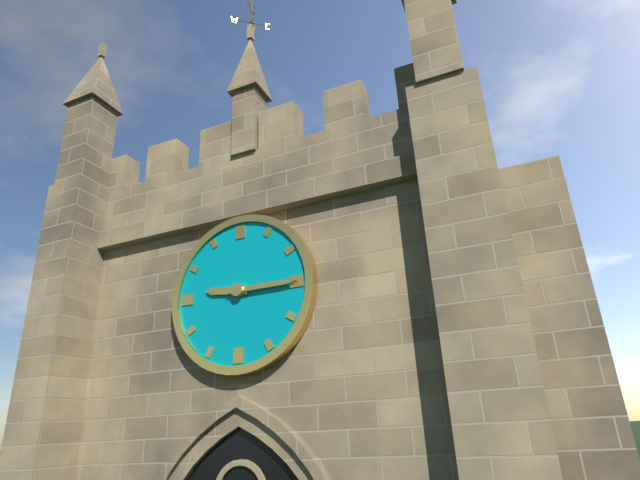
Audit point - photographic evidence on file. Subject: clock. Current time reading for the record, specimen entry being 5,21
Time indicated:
9,15
